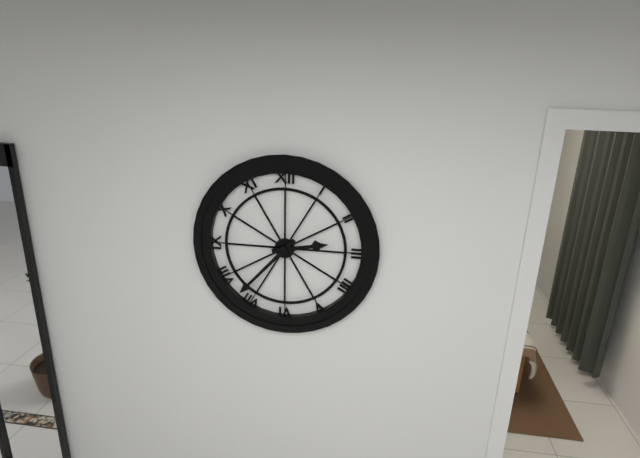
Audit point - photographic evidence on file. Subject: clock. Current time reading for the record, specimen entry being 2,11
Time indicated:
2,37
